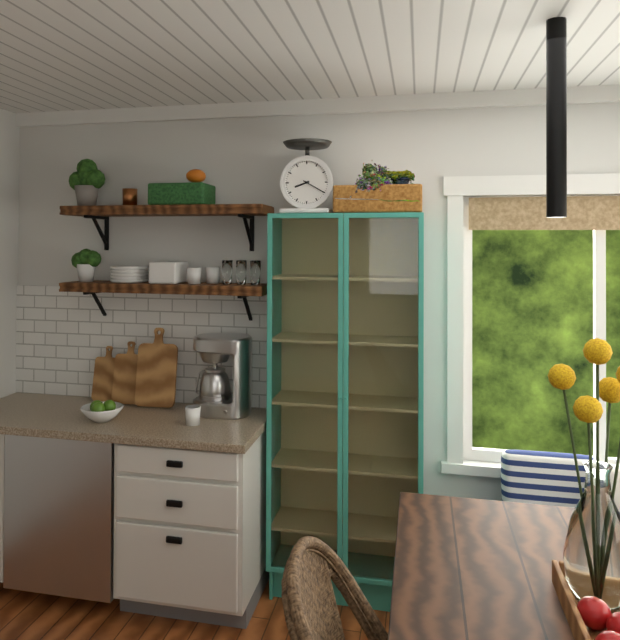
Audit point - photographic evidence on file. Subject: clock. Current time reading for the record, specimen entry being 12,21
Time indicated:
8,20
